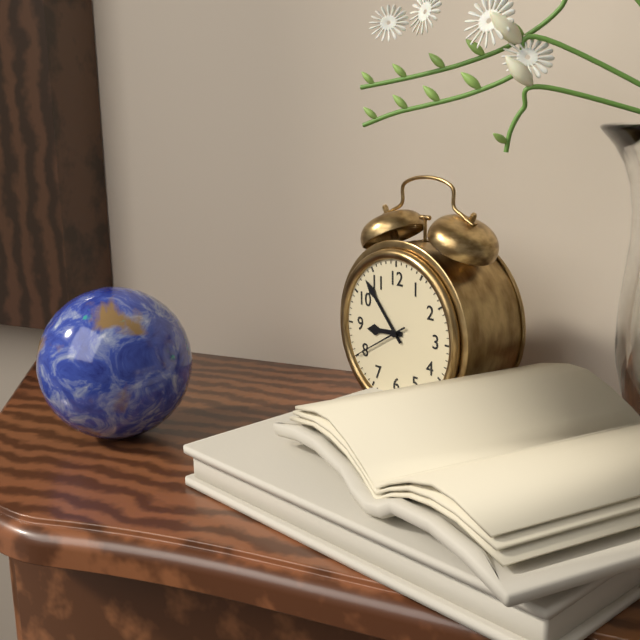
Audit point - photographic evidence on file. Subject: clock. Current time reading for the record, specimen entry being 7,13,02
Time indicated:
8,53,40
